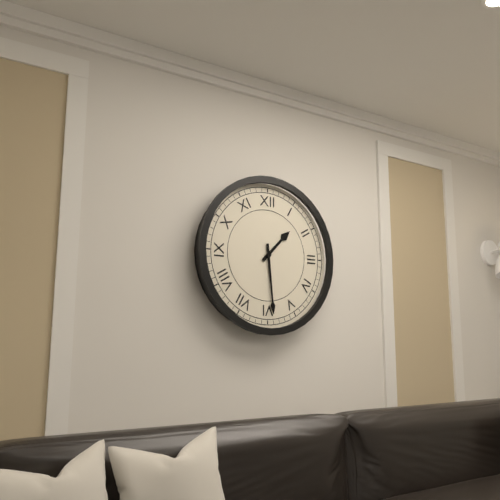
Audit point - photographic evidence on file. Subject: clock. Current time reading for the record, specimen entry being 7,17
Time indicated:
1,29
